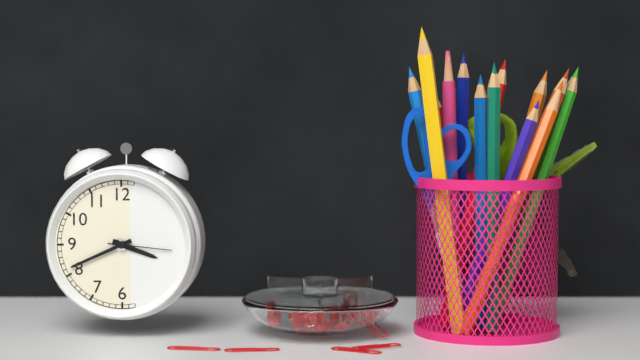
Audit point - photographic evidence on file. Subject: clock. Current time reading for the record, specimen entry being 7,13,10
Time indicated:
3,41,16
